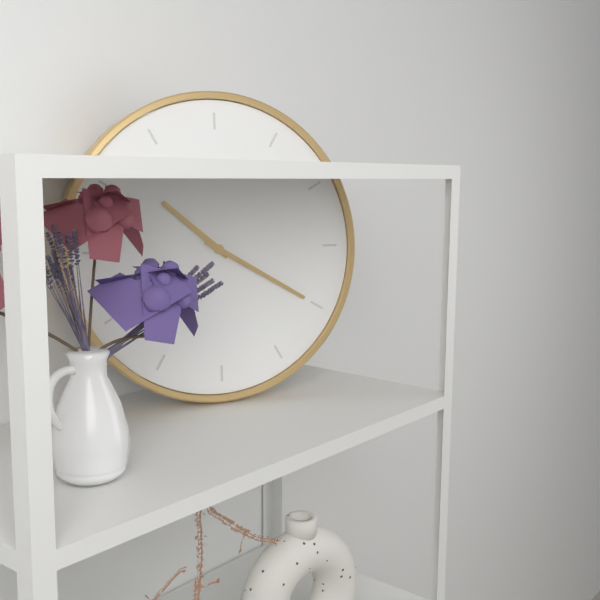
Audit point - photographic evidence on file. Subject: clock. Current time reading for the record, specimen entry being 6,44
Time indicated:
10,20
